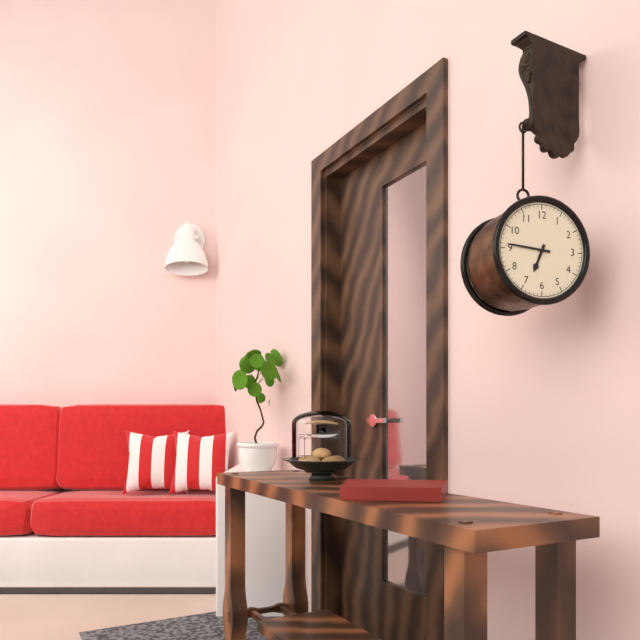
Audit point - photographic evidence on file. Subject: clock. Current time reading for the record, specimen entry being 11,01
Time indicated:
6,46
